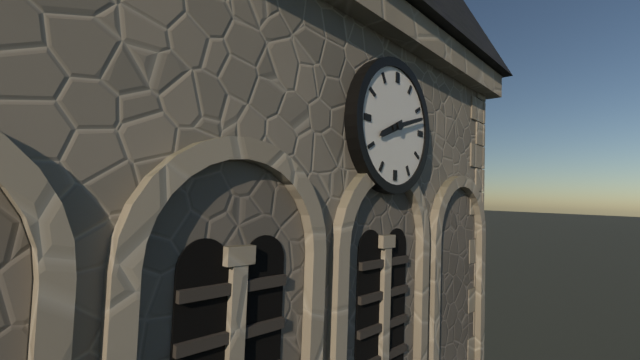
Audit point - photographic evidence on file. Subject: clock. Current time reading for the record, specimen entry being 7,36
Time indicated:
8,12
